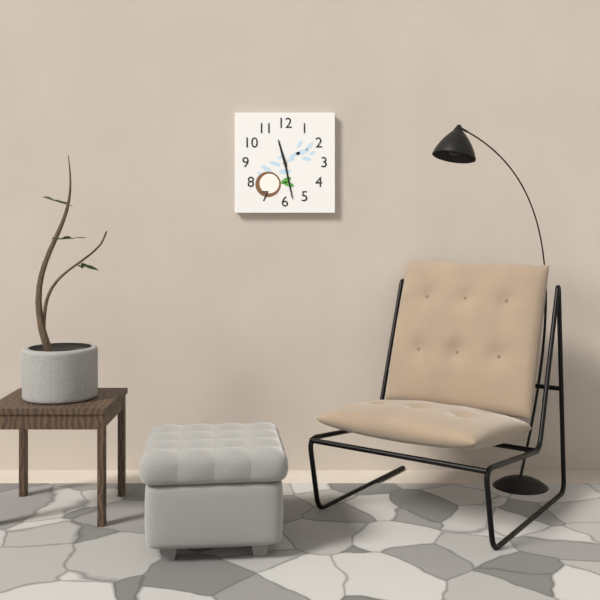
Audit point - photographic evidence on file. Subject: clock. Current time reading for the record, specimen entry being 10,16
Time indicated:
11,28
